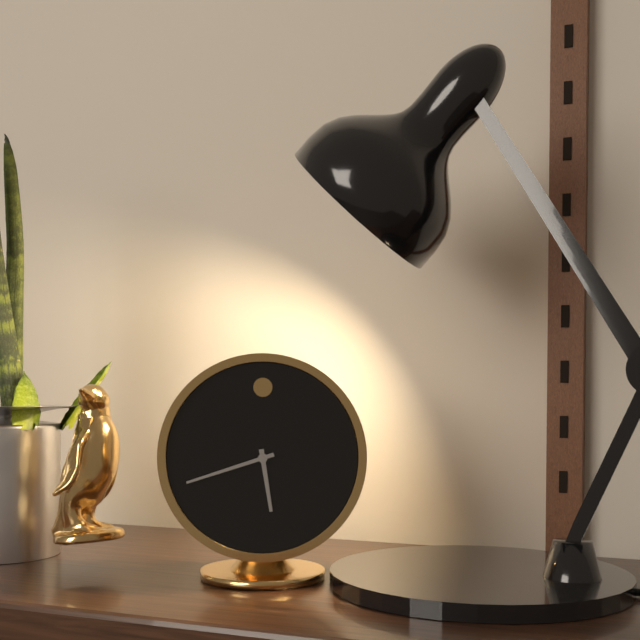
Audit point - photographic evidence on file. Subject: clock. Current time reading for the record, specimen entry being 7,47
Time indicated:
5,42
